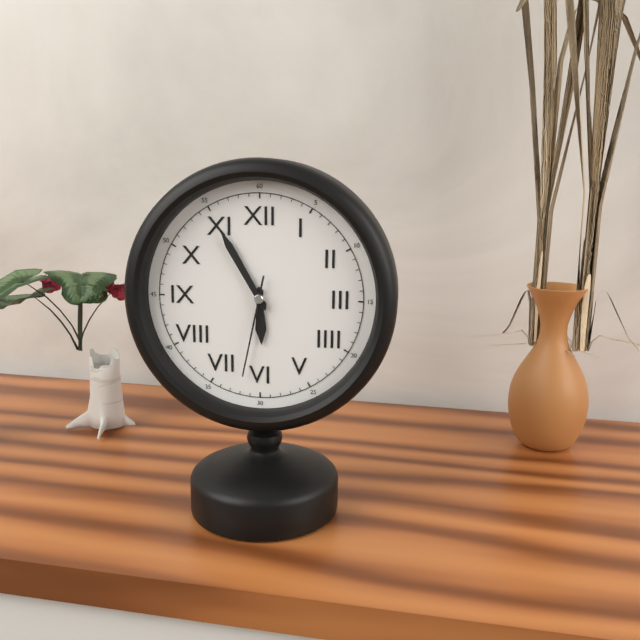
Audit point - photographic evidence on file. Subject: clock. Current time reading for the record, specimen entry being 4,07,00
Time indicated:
5,55,32
